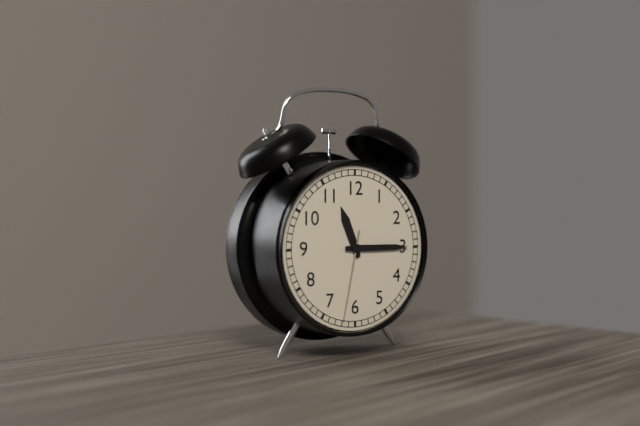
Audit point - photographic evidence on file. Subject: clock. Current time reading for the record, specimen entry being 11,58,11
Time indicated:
11,15,32
